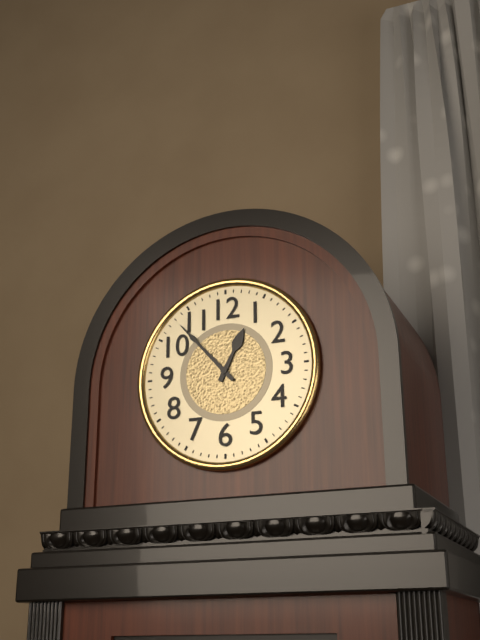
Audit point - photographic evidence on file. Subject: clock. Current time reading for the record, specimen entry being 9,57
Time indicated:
12,53
